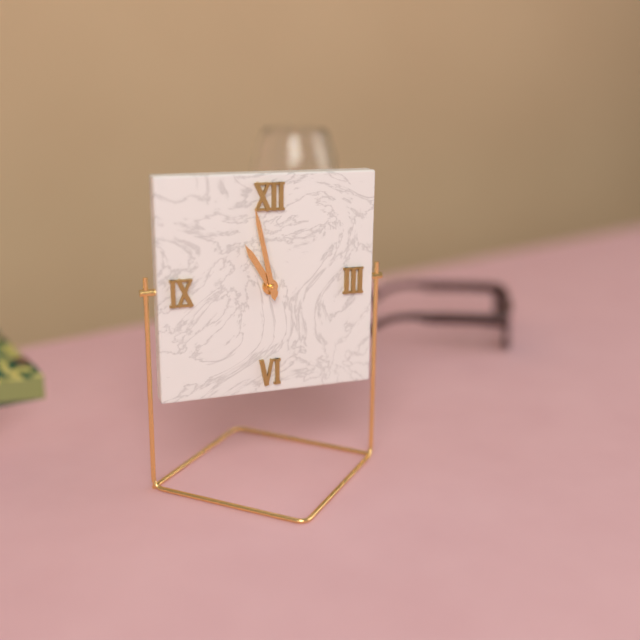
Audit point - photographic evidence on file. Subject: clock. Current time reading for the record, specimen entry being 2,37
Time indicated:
10,58
